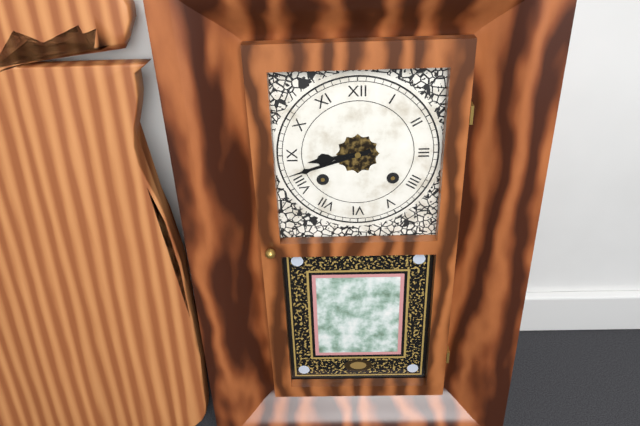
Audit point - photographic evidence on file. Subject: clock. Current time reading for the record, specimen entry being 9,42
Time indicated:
8,42
